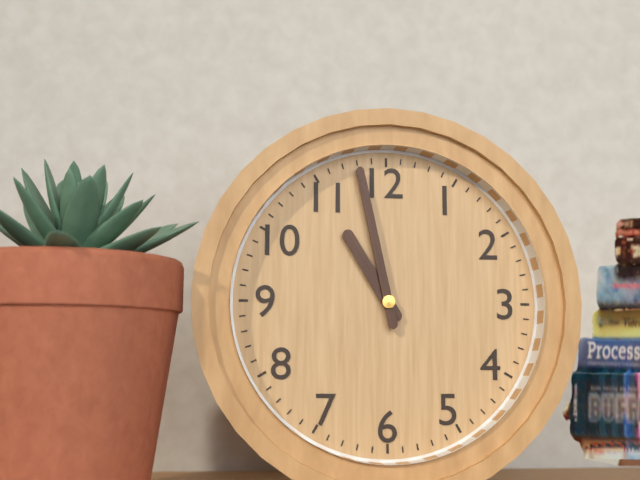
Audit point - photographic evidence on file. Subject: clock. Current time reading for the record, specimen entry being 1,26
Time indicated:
10,58
